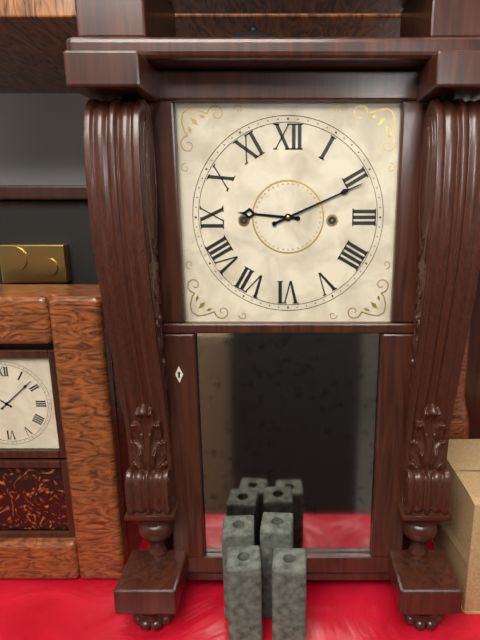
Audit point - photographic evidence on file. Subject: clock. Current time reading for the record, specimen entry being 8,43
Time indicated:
9,11
